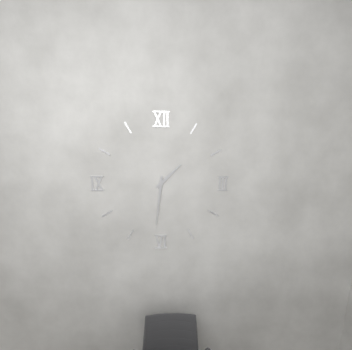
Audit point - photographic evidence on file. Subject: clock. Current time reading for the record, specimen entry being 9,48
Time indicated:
1,31
